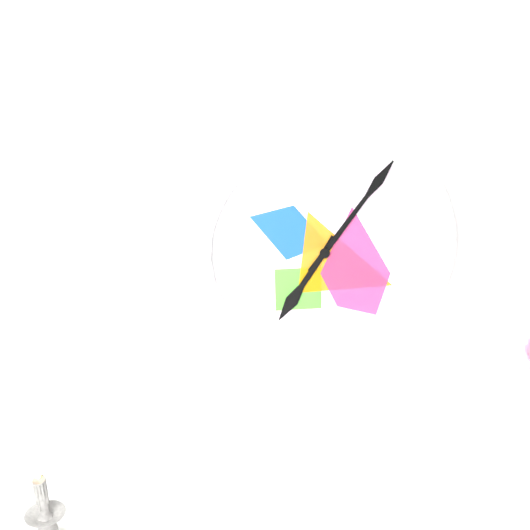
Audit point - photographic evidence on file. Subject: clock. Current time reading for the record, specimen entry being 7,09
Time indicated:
7,06
